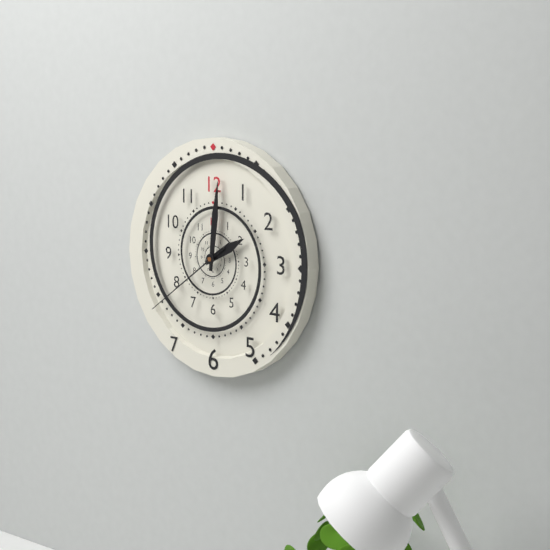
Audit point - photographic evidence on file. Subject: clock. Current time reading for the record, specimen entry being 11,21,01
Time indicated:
2,01,39
